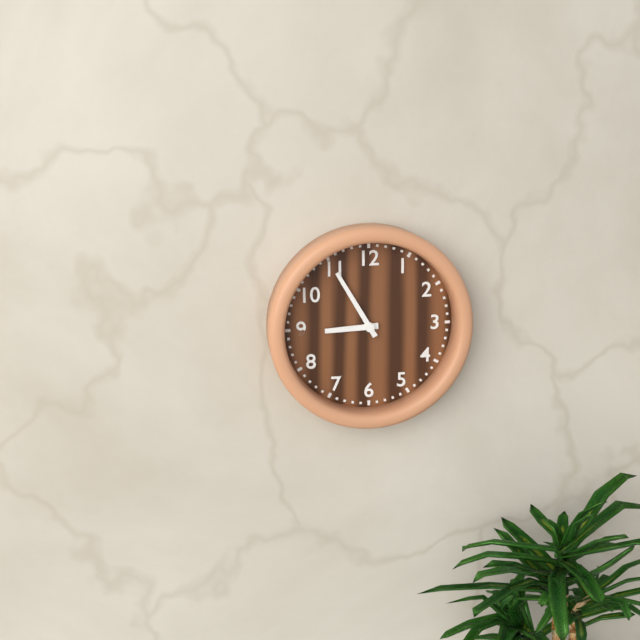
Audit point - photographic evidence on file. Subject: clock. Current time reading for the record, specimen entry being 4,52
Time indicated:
8,55
